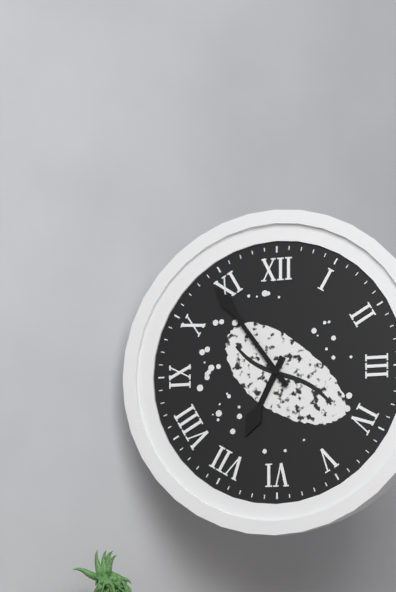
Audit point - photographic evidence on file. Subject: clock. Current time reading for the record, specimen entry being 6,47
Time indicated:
6,54
